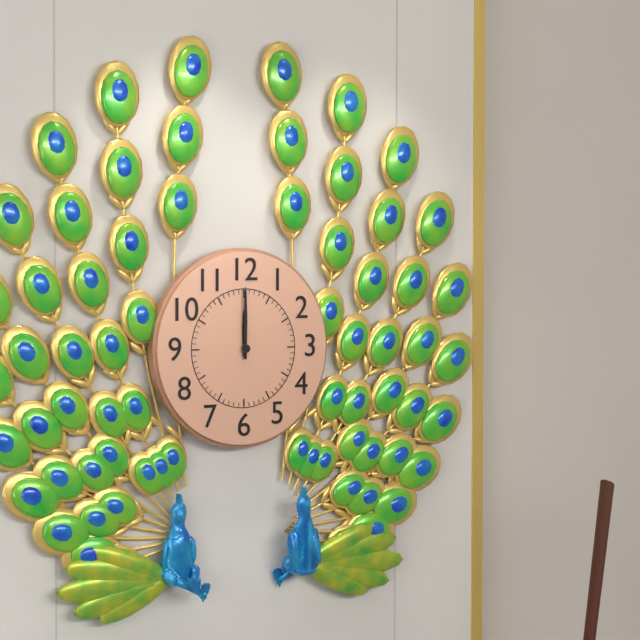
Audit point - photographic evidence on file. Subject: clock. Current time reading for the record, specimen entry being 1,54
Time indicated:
12,00
